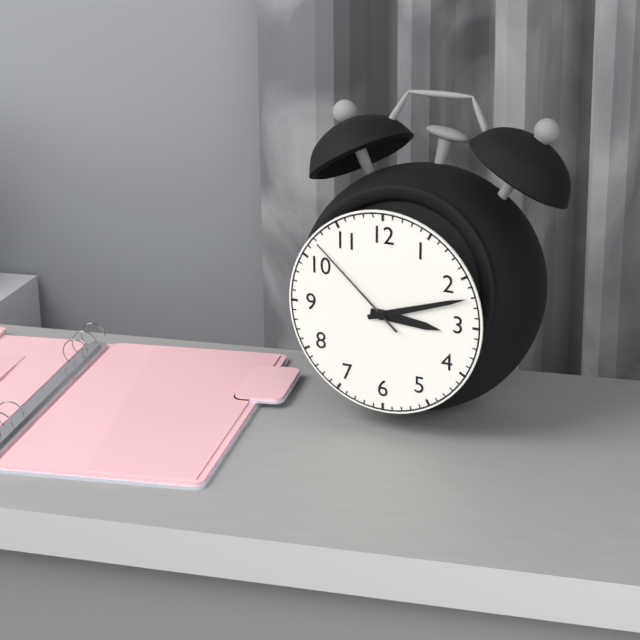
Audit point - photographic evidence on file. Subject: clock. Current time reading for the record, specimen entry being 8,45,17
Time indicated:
3,12,52
